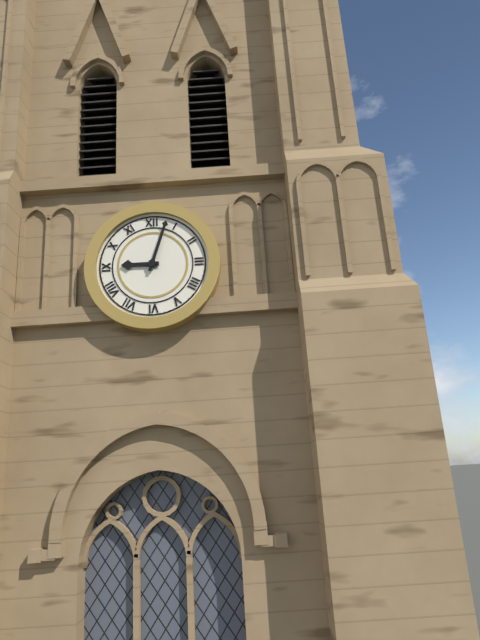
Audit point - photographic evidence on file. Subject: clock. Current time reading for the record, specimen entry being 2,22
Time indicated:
9,03
